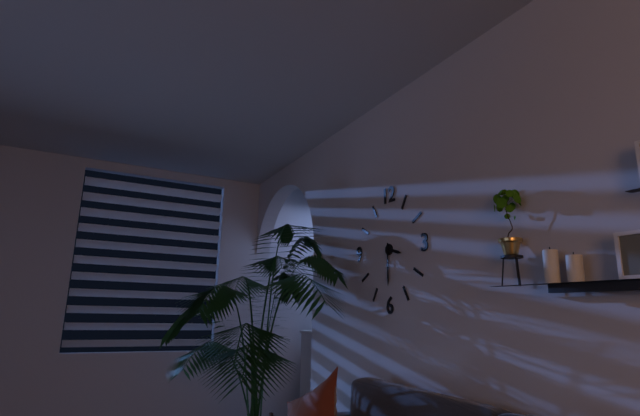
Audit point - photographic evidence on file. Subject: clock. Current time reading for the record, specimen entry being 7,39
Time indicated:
3,30
